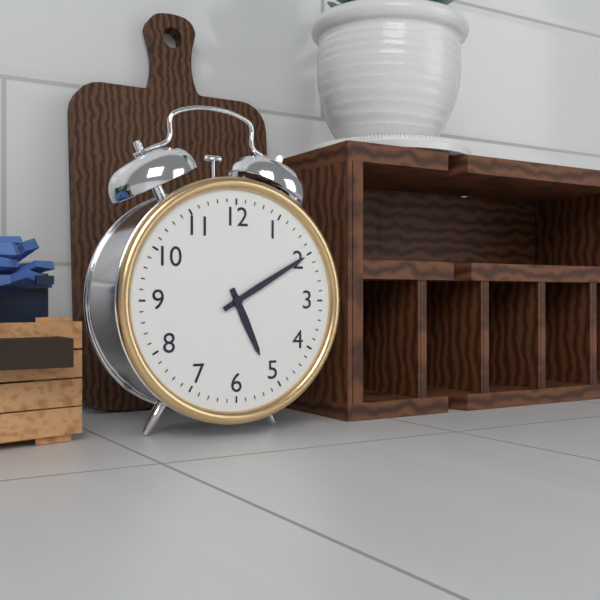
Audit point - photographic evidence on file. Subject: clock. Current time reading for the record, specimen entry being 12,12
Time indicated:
5,10
